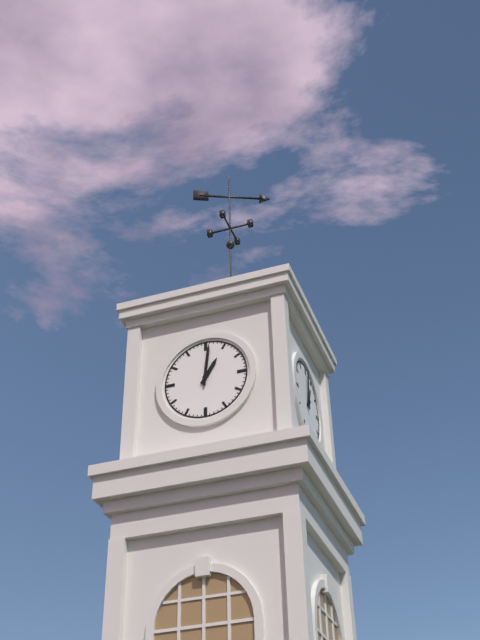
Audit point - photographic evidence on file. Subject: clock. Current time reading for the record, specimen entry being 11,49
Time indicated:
1,01
